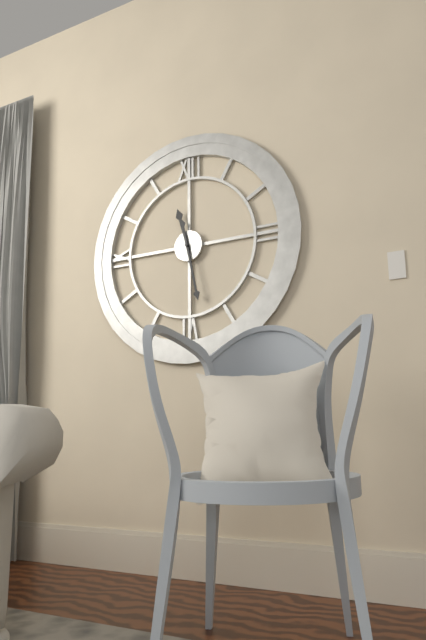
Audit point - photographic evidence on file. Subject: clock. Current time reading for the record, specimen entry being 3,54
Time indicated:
11,28
